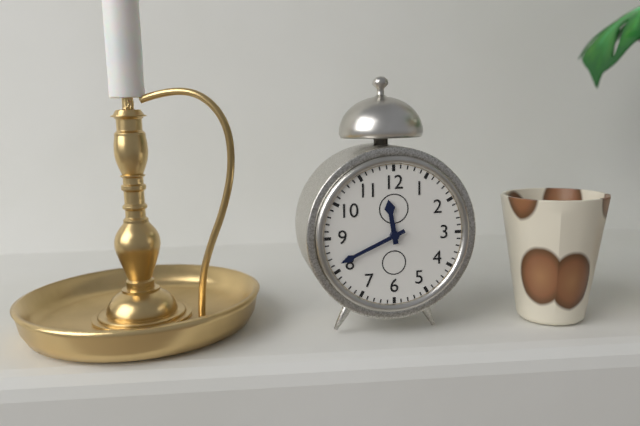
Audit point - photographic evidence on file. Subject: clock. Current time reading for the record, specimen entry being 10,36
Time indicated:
11,41
